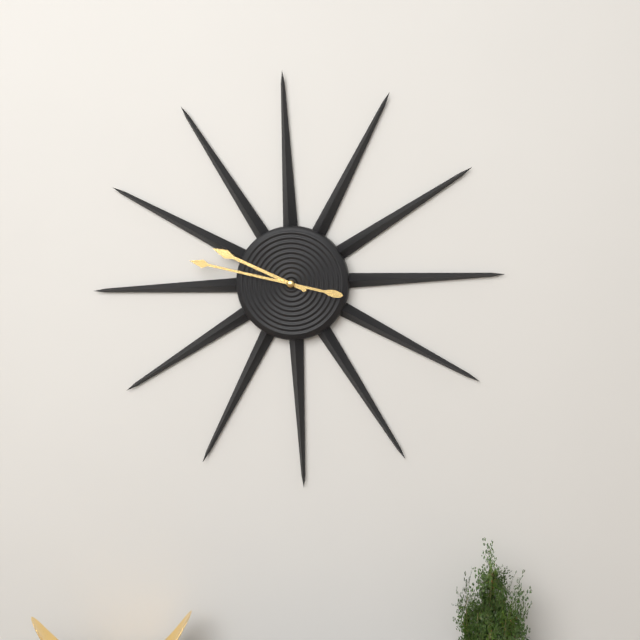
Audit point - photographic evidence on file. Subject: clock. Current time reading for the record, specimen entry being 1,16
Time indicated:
9,47
